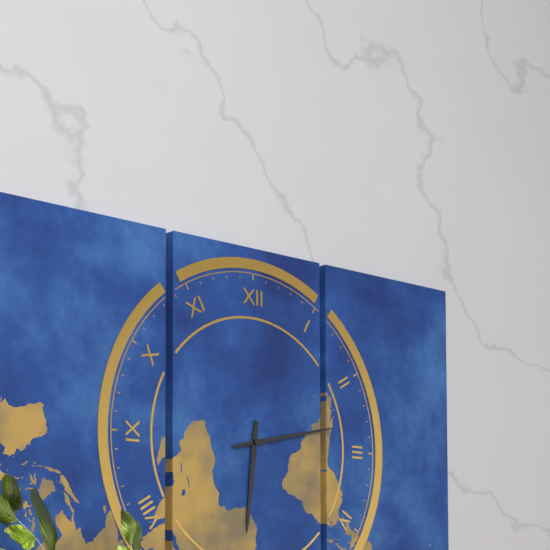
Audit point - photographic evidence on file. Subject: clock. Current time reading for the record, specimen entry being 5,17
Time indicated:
6,13
